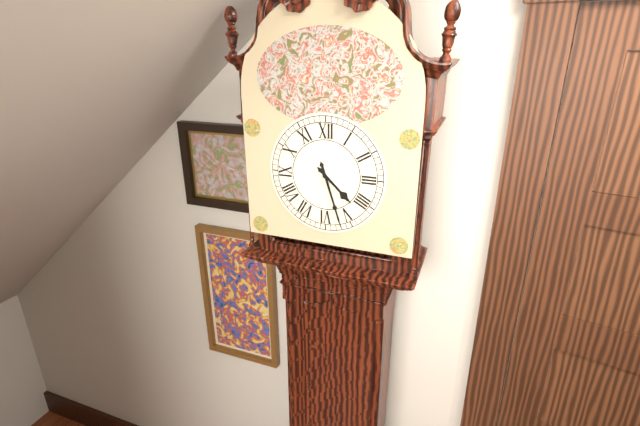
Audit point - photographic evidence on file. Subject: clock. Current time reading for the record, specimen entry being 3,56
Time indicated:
4,27
